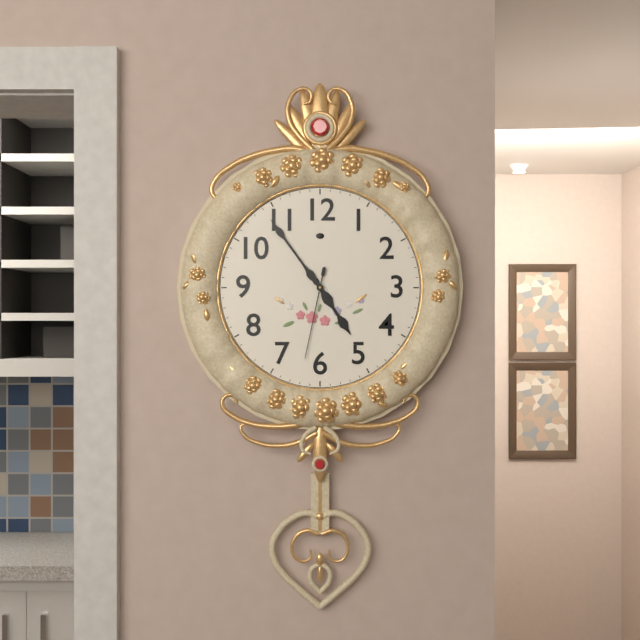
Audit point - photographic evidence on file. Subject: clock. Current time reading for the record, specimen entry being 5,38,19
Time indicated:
4,54,32
